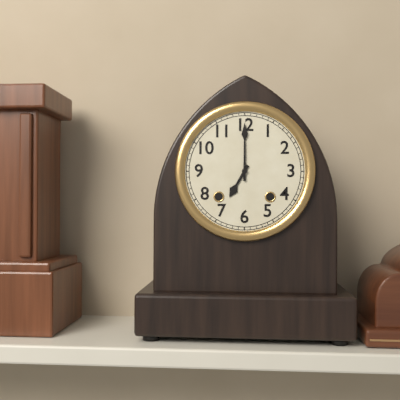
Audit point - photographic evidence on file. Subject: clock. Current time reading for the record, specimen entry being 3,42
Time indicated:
7,00
